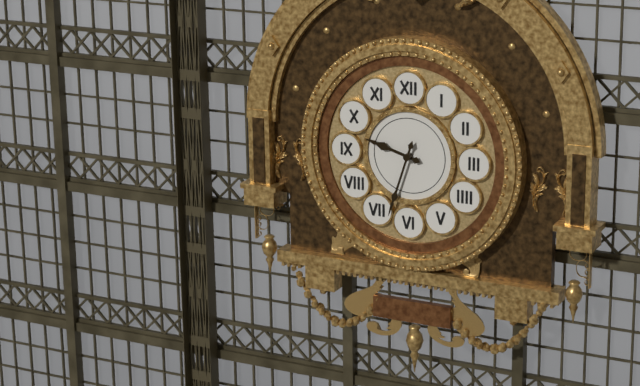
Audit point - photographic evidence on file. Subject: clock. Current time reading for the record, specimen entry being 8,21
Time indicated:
9,33
